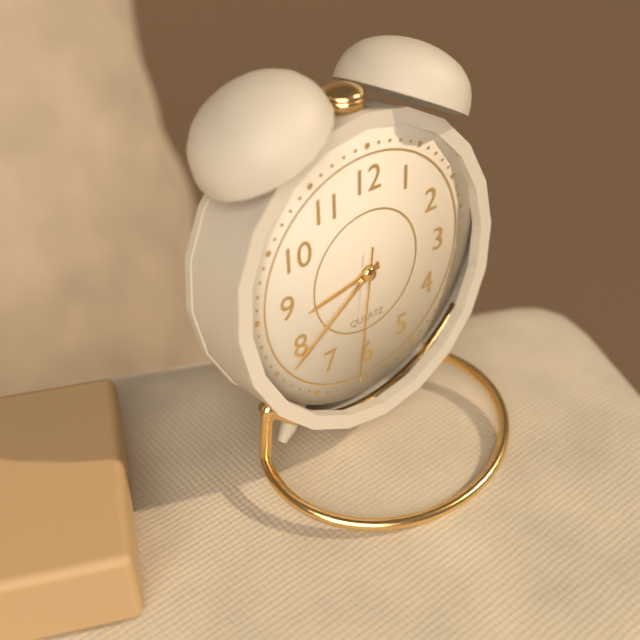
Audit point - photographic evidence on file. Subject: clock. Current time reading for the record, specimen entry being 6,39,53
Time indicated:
8,39,31
